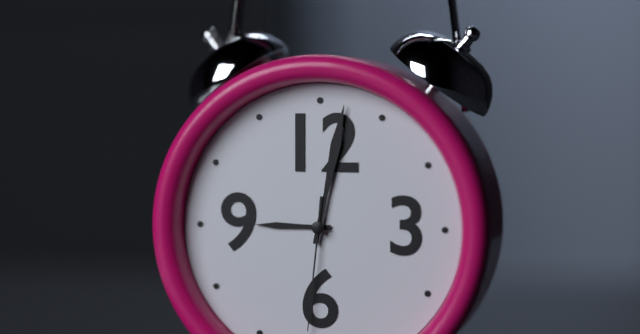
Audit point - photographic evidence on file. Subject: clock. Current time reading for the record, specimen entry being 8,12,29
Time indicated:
9,02,31
